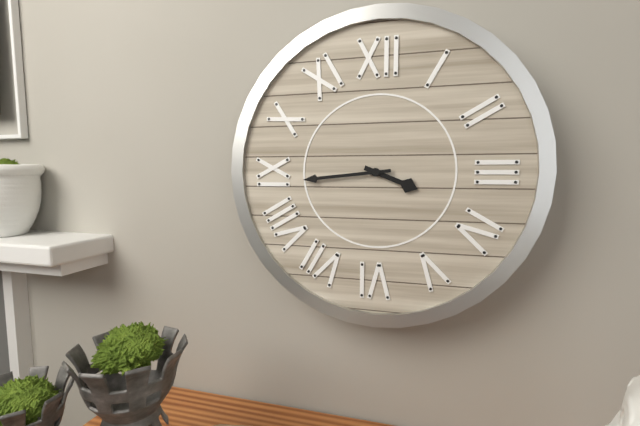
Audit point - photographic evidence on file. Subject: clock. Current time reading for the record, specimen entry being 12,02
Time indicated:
3,44
